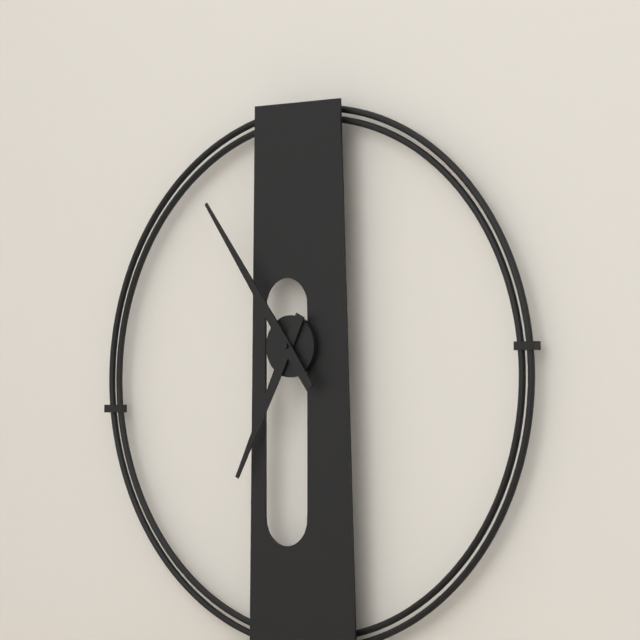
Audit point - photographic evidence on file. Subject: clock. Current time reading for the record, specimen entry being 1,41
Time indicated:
6,54
